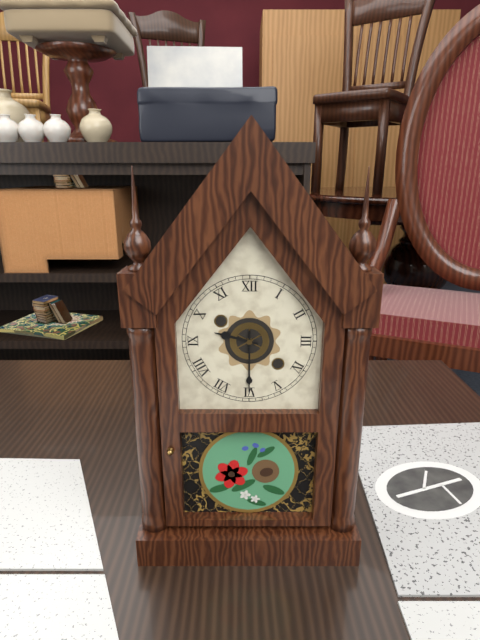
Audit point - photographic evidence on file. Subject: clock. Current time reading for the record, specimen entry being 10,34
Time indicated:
9,30
